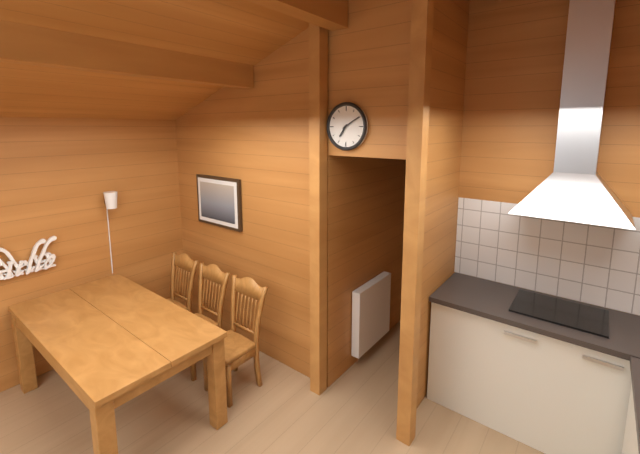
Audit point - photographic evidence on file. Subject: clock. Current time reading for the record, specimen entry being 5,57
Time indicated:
7,10
